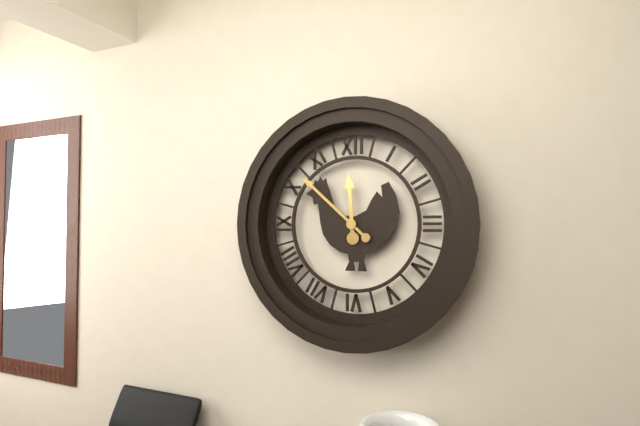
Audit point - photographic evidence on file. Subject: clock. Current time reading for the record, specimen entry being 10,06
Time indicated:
11,52
